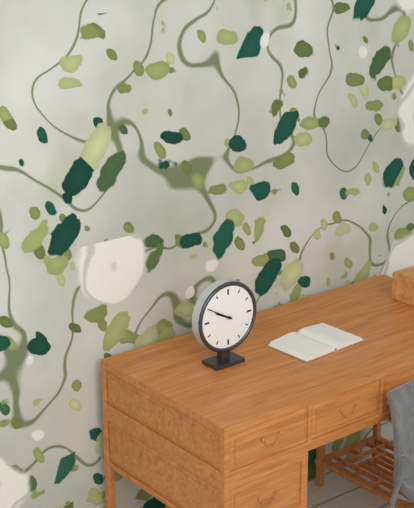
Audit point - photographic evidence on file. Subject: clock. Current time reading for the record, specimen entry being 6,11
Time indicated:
9,50
